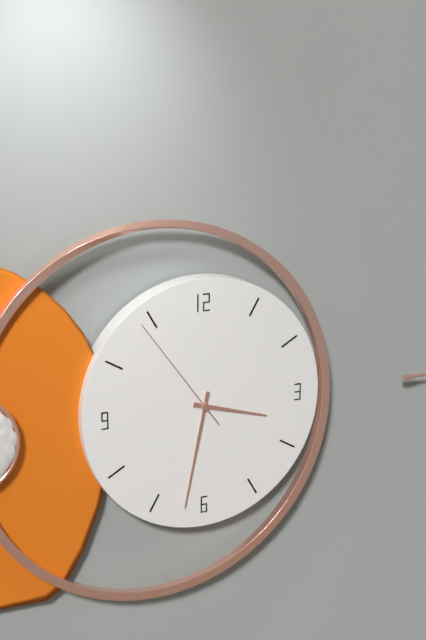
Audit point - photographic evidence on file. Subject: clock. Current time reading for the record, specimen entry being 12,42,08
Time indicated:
3,32,54
